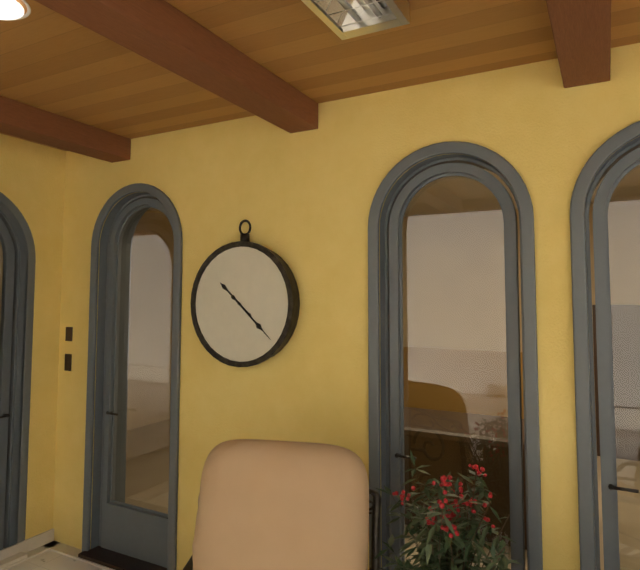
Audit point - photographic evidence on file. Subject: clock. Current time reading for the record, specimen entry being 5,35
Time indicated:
10,22
